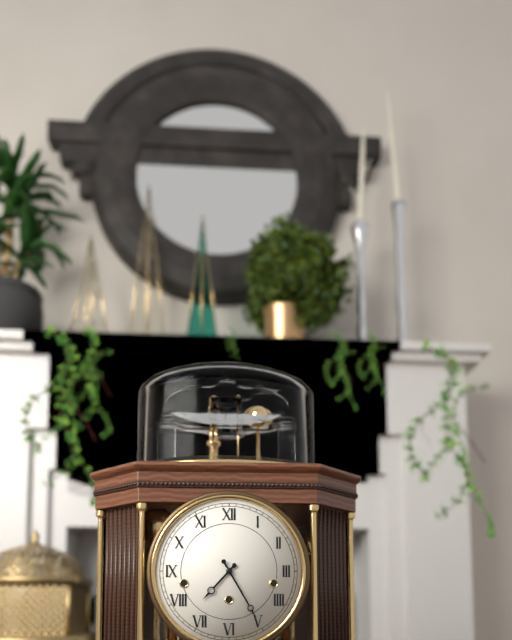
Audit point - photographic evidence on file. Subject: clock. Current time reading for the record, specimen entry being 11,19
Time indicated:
7,25
